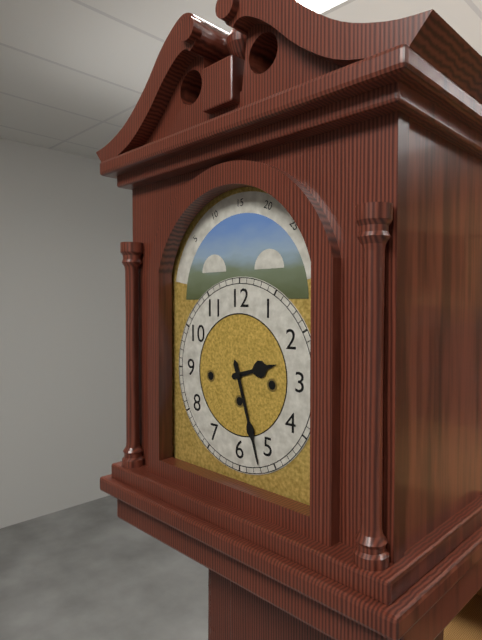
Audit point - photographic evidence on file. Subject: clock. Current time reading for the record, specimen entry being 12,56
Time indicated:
2,27
